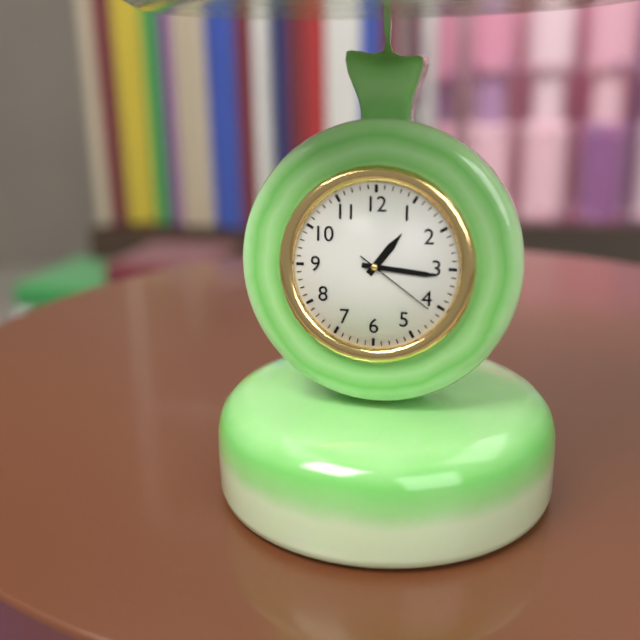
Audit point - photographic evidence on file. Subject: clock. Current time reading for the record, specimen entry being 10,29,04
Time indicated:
1,16,21
